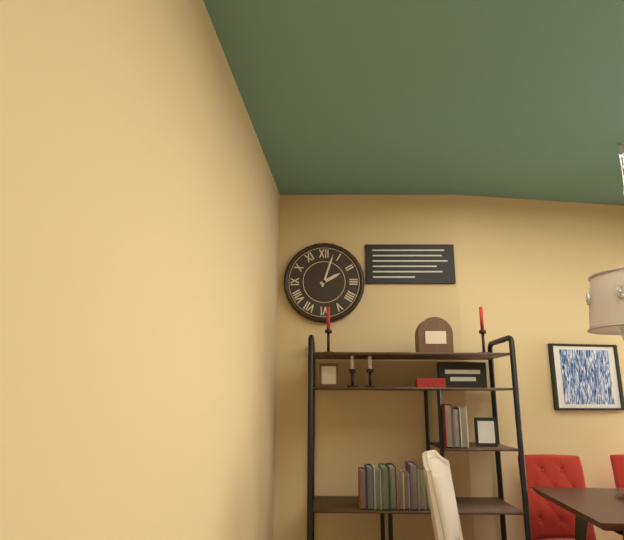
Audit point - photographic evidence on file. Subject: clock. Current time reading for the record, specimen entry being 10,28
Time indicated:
2,03
